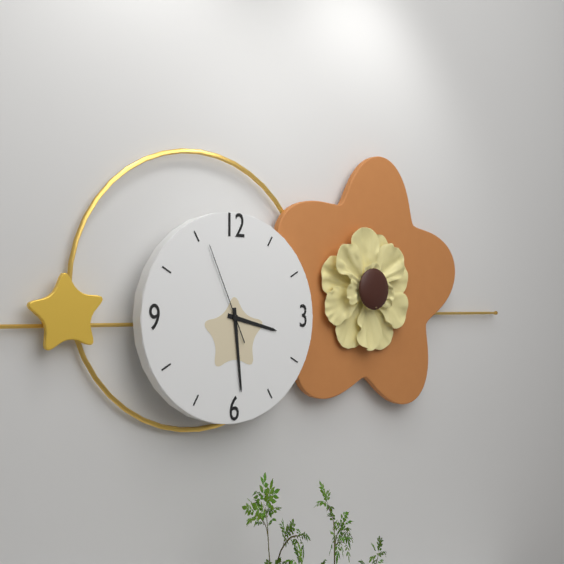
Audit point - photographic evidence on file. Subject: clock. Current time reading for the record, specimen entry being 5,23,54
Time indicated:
3,29,56
